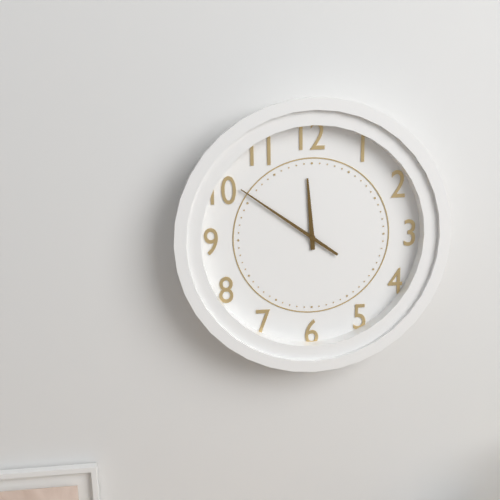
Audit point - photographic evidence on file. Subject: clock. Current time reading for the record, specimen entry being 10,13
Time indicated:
11,51
